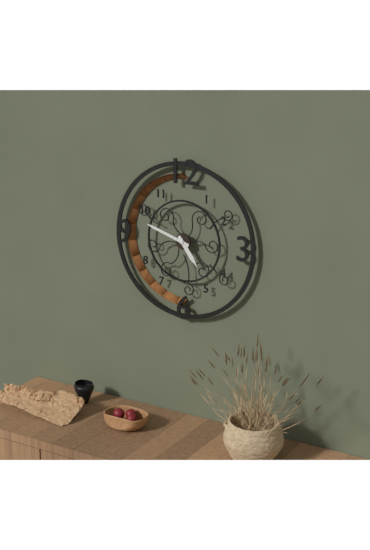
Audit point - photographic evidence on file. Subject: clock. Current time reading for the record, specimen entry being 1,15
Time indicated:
4,48
